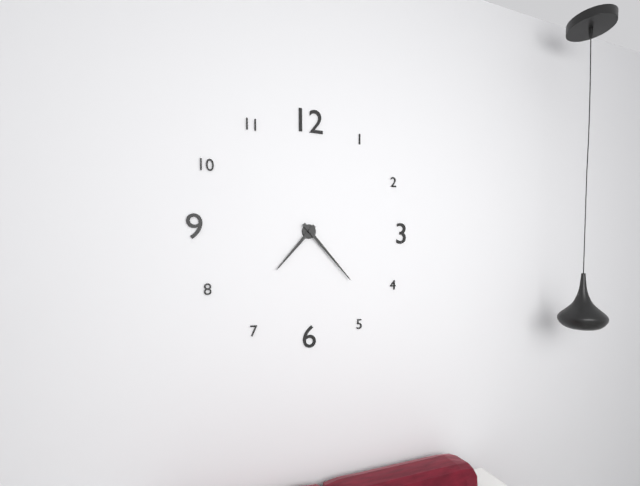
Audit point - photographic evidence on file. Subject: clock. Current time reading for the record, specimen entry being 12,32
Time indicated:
7,23
